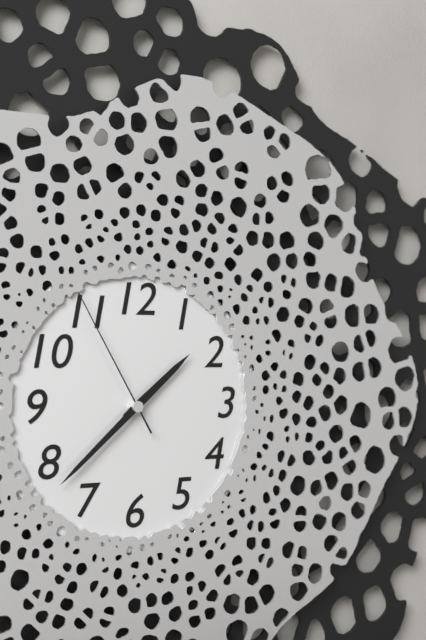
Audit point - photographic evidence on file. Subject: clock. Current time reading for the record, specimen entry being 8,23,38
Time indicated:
1,38,55
